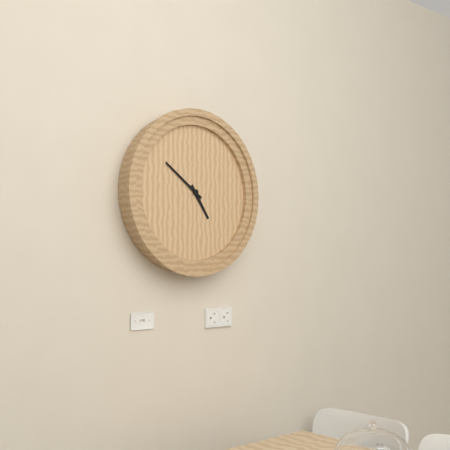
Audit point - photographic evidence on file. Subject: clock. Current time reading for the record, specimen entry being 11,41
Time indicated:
4,51
